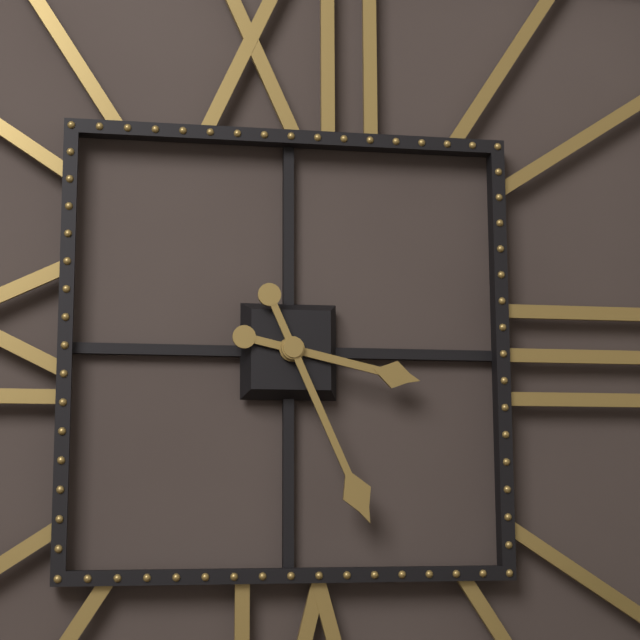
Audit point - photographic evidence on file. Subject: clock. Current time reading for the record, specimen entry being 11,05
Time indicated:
3,26
